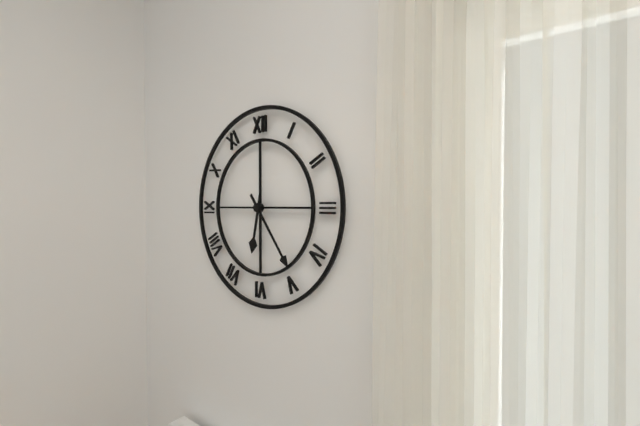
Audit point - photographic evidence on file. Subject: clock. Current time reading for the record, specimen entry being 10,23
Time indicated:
6,24
